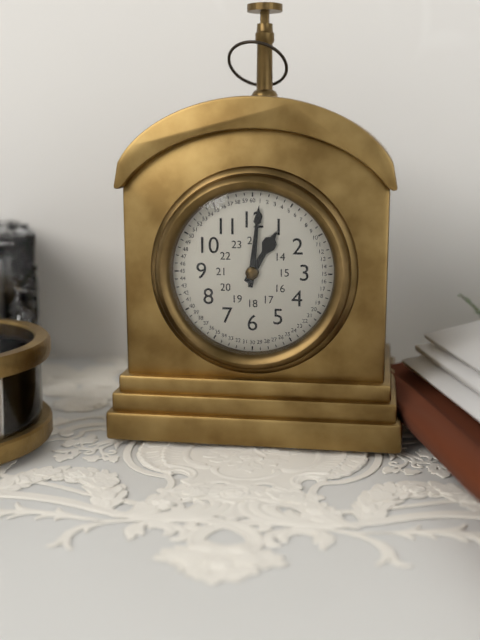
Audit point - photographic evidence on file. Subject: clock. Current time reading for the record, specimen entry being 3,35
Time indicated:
1,01
